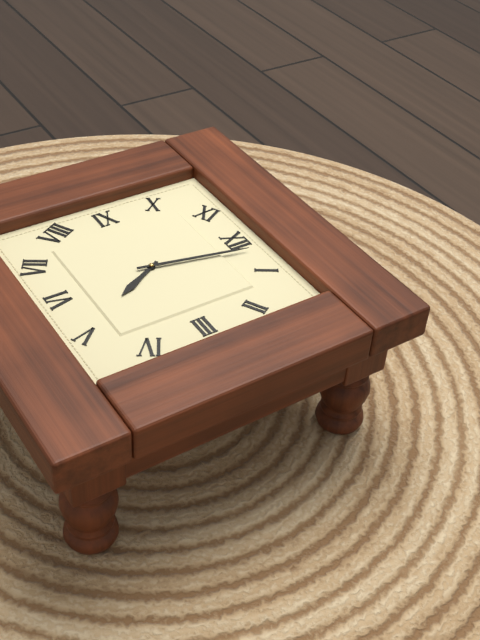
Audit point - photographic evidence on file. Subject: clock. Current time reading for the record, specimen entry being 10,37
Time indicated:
5,02
